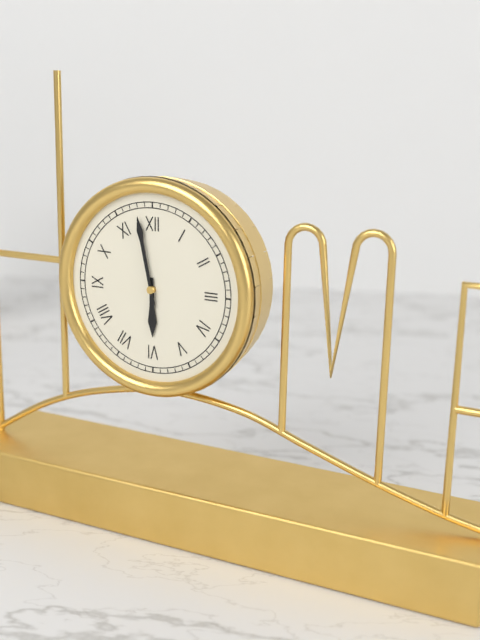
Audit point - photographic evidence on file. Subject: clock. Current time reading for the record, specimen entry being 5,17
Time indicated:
5,58
